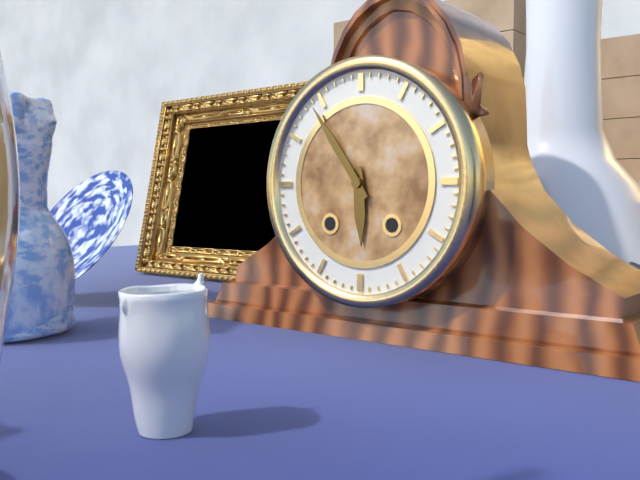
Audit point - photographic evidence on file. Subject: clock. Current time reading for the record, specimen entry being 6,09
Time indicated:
5,54
